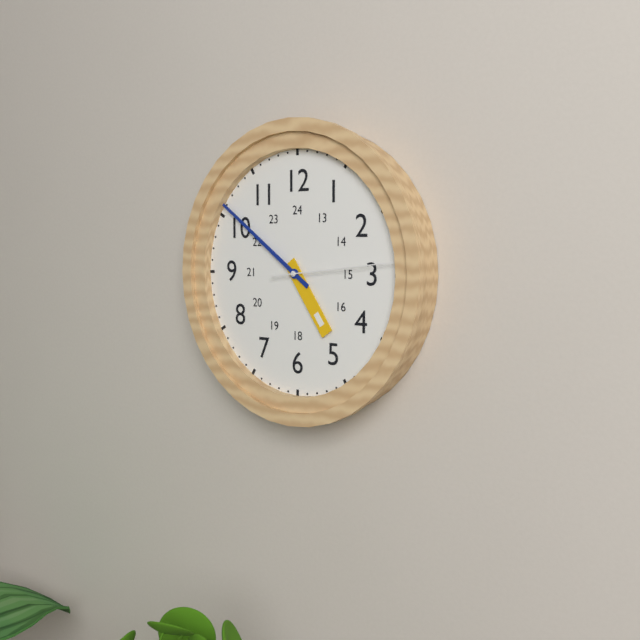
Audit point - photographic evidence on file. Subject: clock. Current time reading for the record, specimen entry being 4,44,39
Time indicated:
4,51,14
